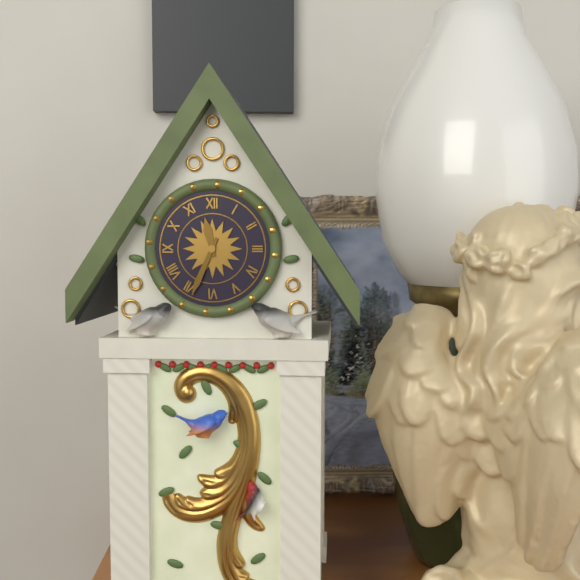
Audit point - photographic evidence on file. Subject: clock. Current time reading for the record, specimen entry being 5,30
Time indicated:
11,34
